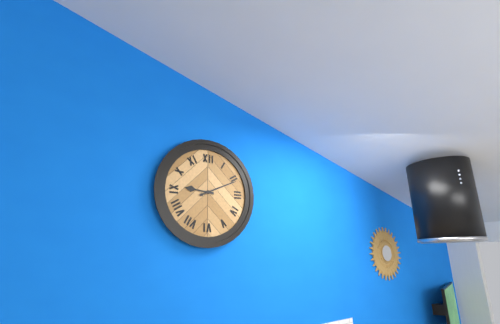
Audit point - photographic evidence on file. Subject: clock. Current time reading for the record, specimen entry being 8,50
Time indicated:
9,11
